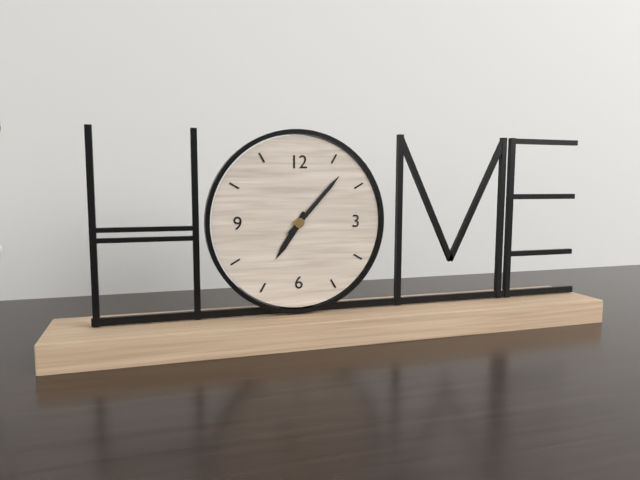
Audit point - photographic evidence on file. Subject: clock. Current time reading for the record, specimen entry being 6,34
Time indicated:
7,07
